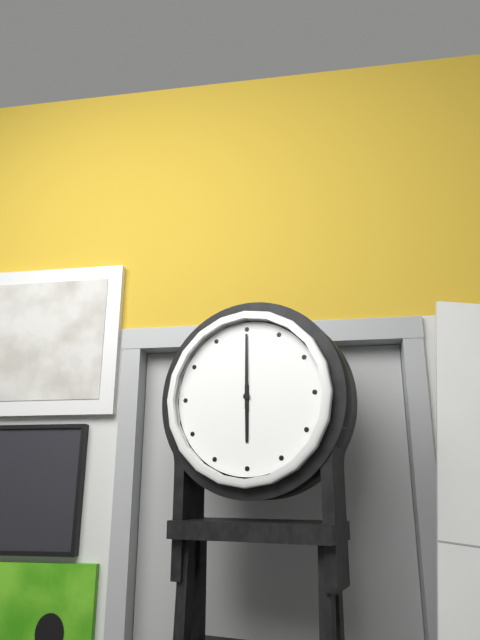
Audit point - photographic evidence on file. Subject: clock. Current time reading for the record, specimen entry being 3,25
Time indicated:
6,00
